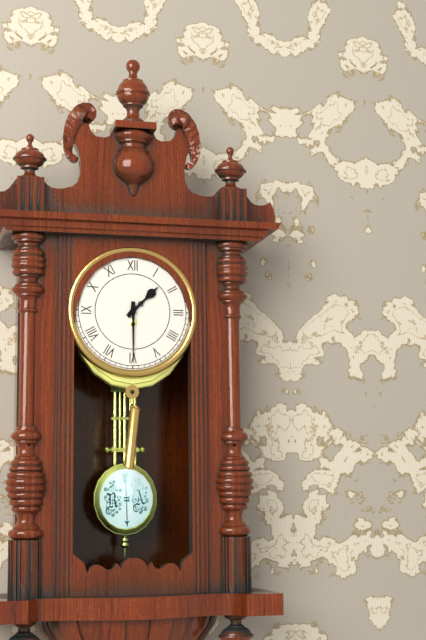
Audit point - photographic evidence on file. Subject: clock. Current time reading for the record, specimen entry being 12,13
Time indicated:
1,30
